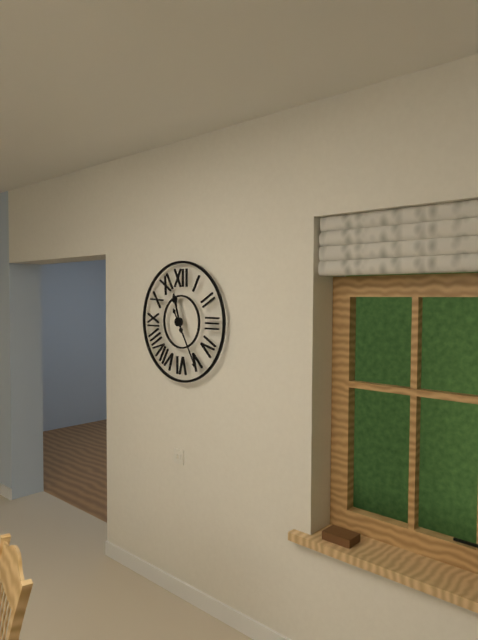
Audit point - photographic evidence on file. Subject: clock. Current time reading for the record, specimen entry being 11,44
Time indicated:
11,25
